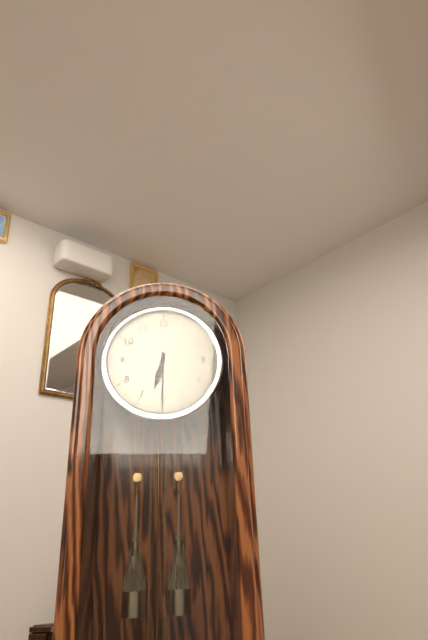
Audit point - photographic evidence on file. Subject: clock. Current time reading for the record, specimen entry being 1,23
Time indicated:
6,30
